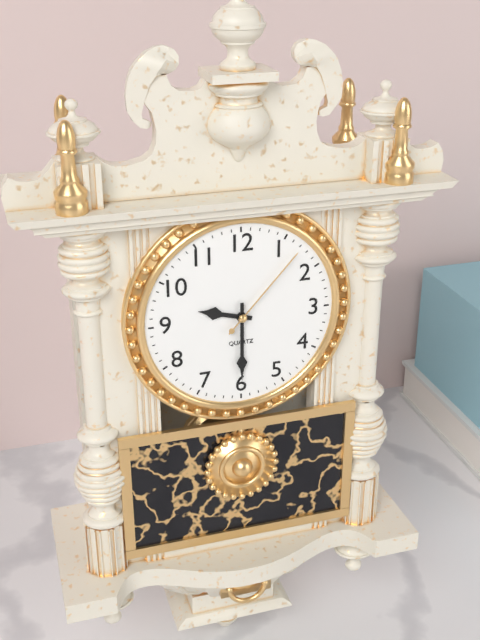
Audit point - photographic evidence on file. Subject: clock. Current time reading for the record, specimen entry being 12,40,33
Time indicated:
9,30,07
